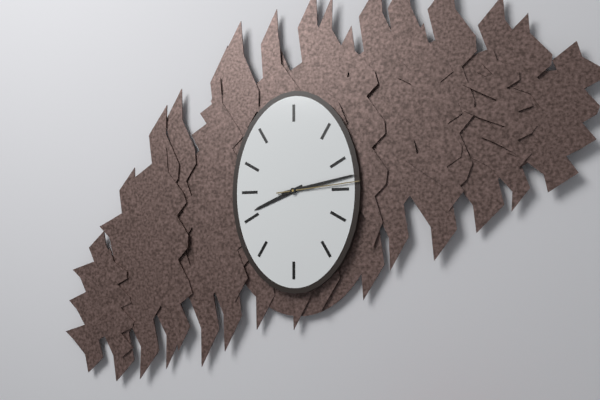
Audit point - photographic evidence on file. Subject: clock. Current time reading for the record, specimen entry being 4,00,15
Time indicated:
8,13,14
